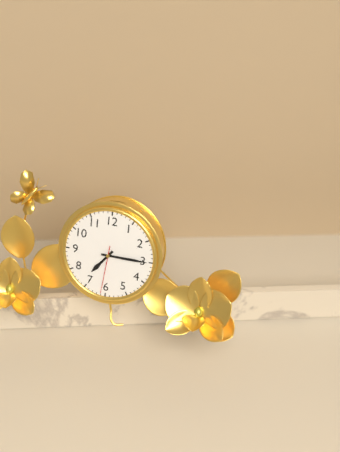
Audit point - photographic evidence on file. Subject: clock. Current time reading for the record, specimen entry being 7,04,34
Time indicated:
7,15,31
